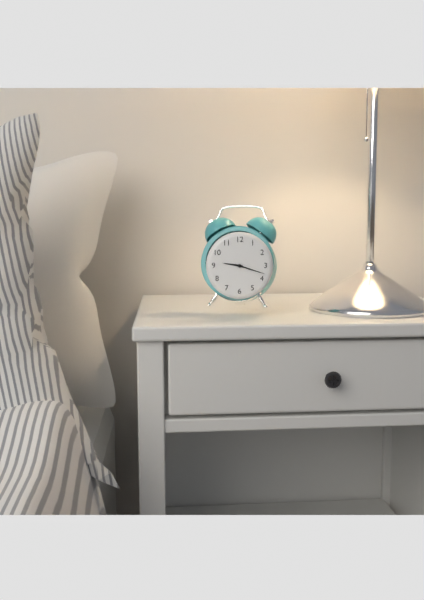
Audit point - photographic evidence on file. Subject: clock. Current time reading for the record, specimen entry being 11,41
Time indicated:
9,18
